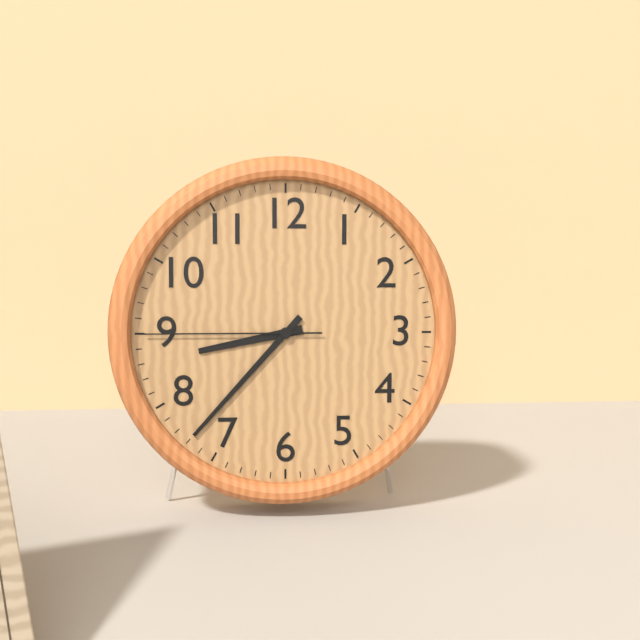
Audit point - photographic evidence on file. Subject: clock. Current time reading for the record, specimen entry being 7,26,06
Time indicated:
8,37,45
